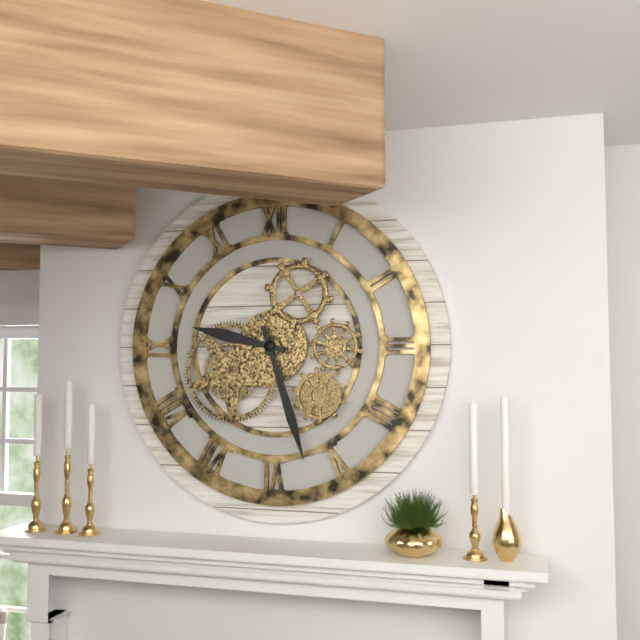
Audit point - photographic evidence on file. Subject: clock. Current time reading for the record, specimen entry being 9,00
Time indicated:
9,27
